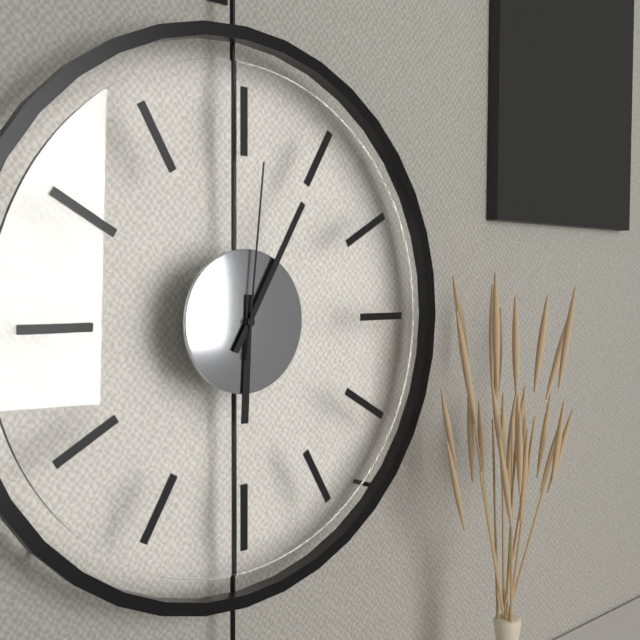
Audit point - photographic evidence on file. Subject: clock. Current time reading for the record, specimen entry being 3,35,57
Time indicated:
6,05,01
